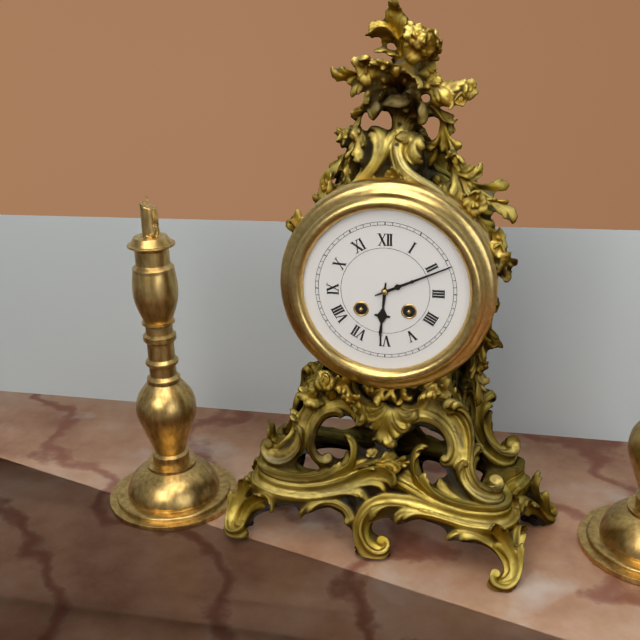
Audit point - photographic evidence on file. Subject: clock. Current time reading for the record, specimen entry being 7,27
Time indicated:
6,11
